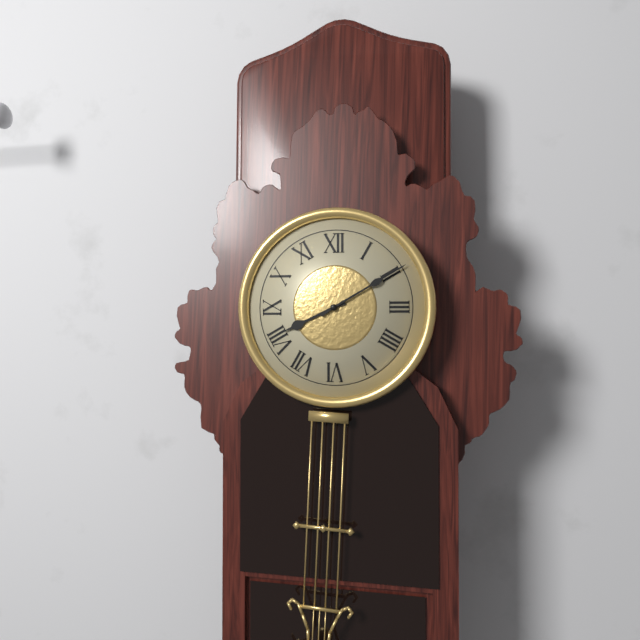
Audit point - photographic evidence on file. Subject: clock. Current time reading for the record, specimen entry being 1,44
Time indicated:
8,10
